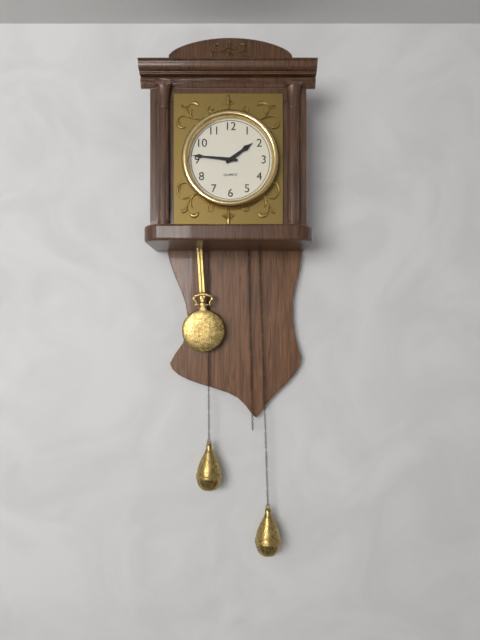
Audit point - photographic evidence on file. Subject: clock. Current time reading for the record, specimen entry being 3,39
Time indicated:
1,46
